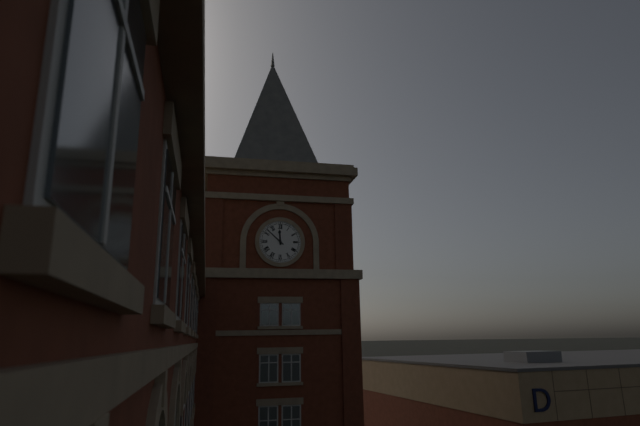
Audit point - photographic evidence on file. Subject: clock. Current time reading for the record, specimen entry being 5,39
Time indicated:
11,52
